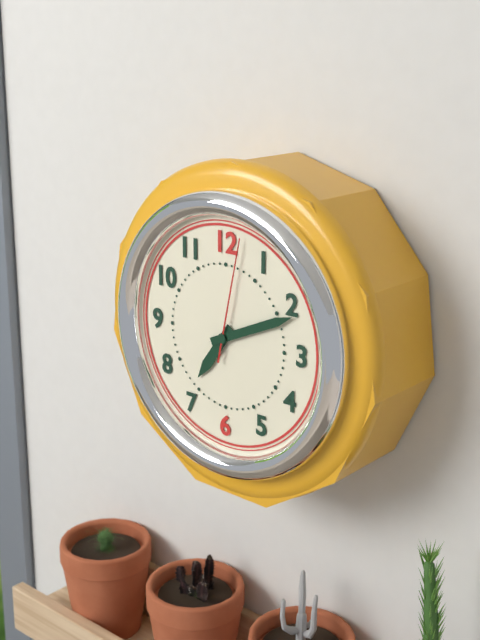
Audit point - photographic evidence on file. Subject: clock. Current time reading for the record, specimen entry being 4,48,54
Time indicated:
7,11,02
